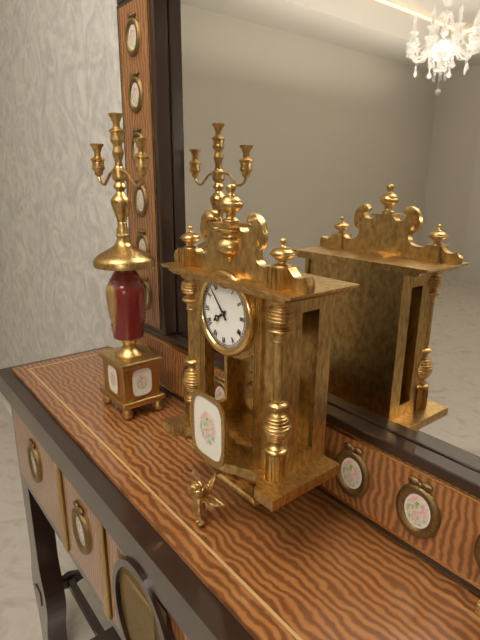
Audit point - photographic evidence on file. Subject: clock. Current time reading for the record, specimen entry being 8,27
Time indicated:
7,53
